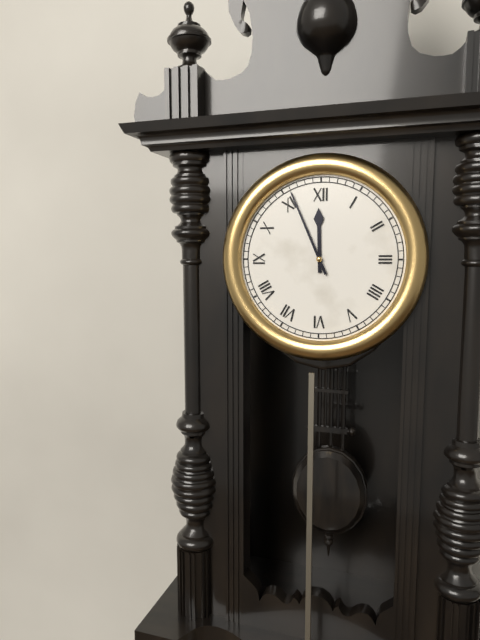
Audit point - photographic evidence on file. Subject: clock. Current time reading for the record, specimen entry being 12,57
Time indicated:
11,56
